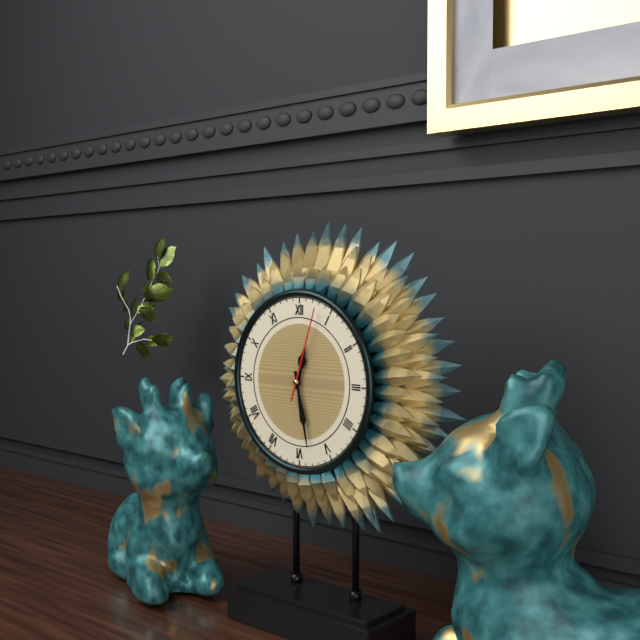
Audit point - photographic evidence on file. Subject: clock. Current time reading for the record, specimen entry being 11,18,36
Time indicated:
12,28,03
